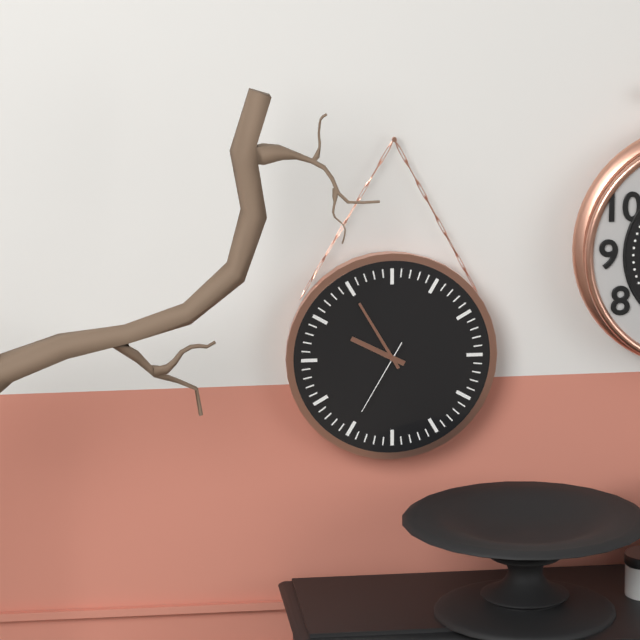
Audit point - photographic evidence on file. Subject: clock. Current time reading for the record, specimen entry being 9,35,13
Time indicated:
9,55,35
